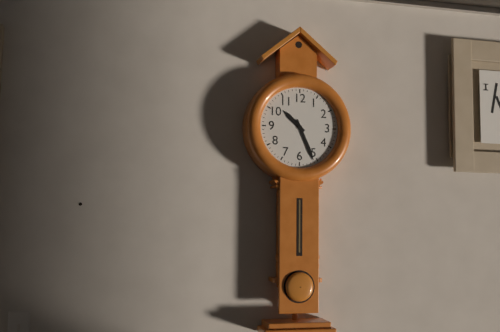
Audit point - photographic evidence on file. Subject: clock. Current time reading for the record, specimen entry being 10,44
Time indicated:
10,26
